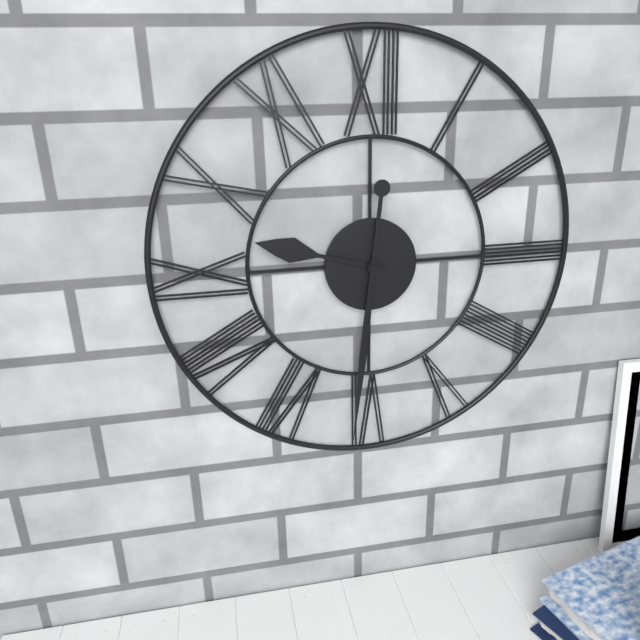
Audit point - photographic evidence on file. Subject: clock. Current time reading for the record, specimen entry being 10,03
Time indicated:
9,31
